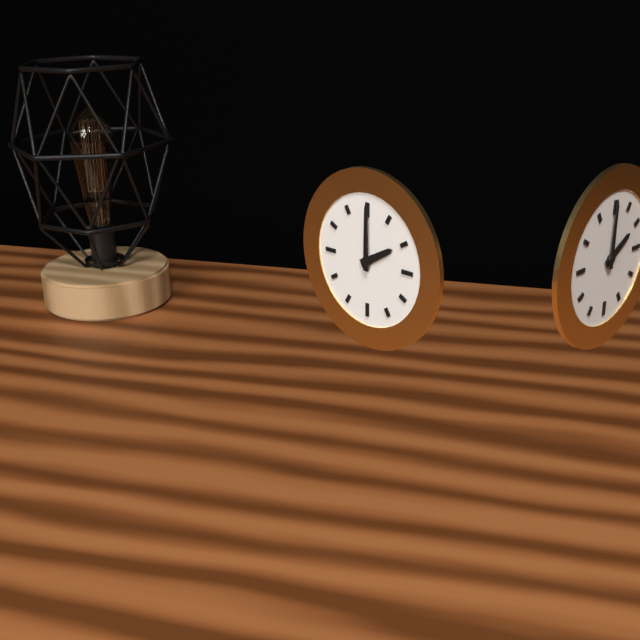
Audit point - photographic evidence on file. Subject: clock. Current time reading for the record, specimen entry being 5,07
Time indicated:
2,00
